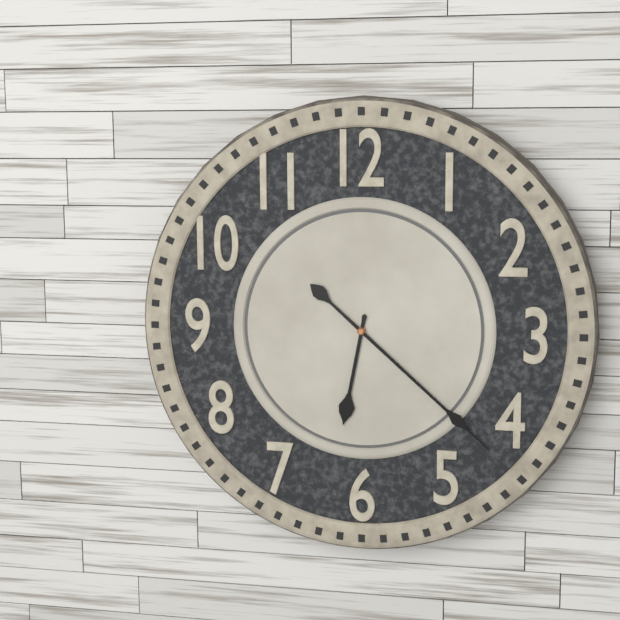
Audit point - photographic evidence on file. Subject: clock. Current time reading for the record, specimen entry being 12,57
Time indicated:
6,22
